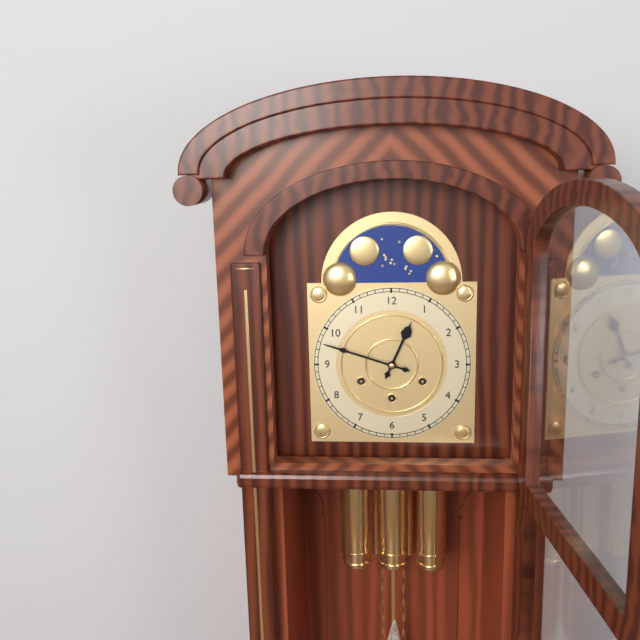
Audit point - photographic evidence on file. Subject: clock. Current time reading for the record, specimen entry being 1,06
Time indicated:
12,48
